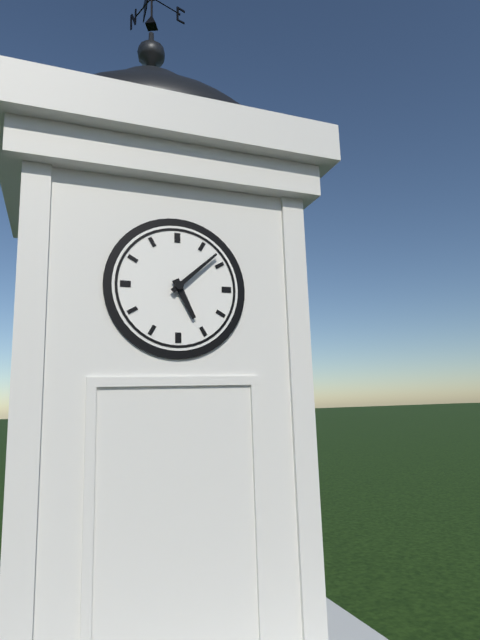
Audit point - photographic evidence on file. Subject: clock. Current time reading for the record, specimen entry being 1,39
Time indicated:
5,08
